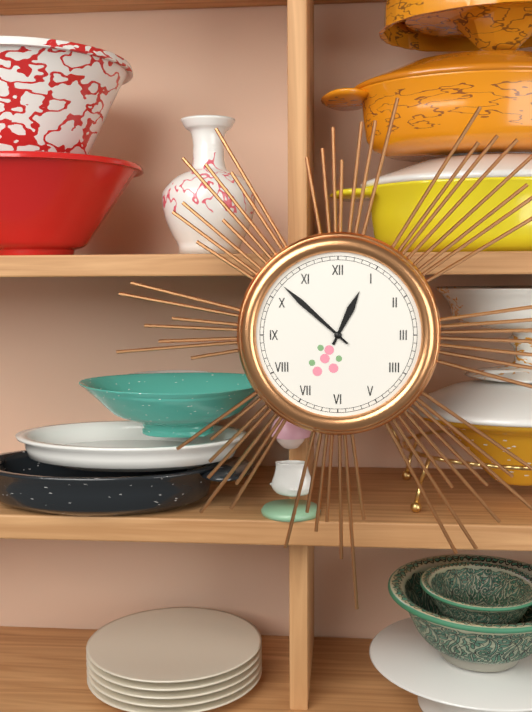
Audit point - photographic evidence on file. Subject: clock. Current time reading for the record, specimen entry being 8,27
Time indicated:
12,52
